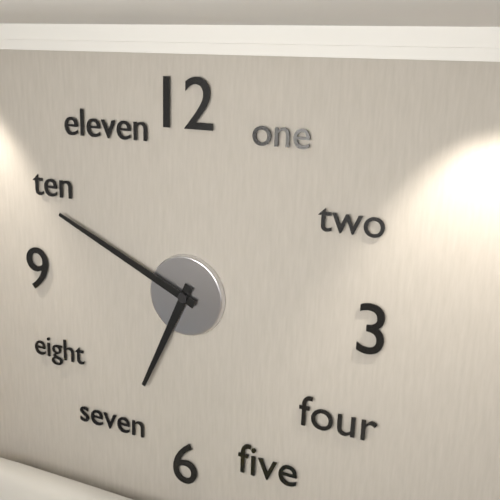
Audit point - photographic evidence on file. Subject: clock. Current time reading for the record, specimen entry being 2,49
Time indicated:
6,49
